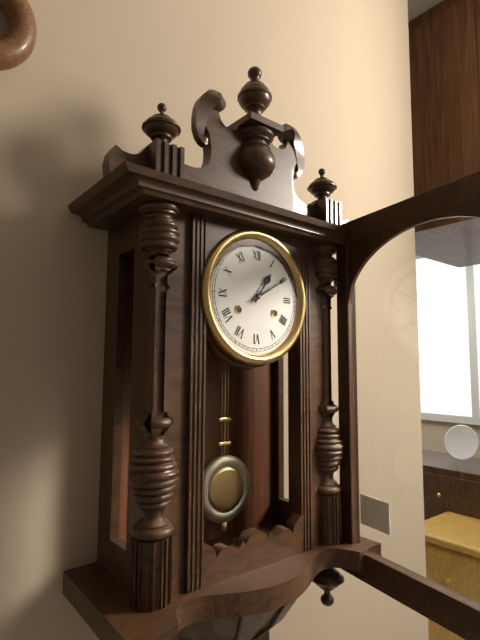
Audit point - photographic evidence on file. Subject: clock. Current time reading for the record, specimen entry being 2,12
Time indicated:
1,10
